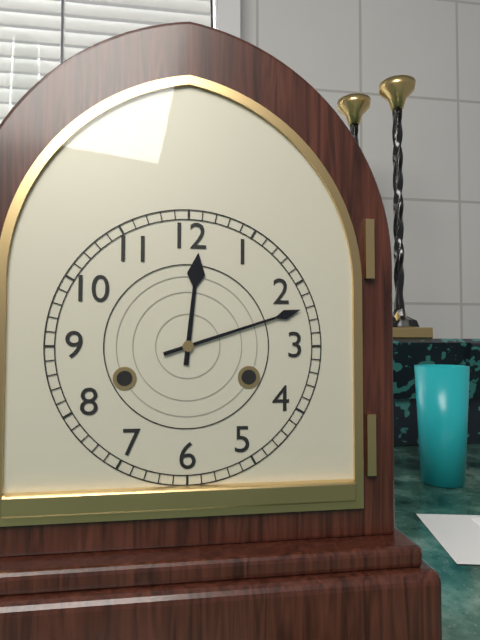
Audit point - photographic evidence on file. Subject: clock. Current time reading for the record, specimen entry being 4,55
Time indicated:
12,12
